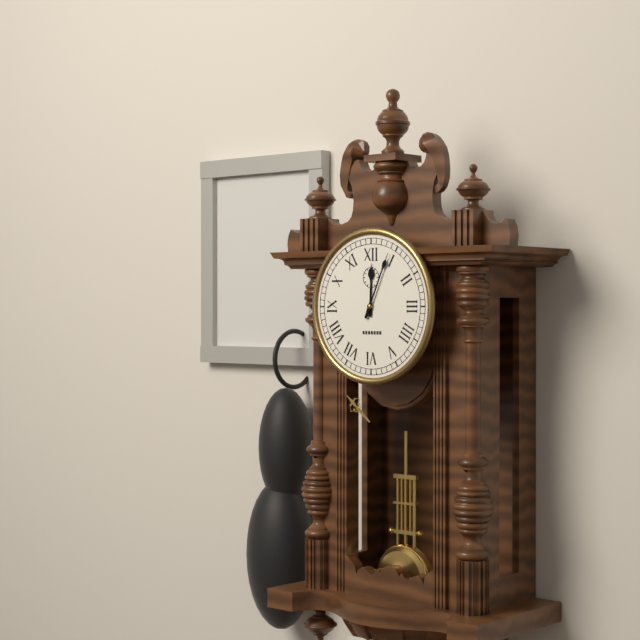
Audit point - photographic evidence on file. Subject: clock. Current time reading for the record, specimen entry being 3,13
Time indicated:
12,04
